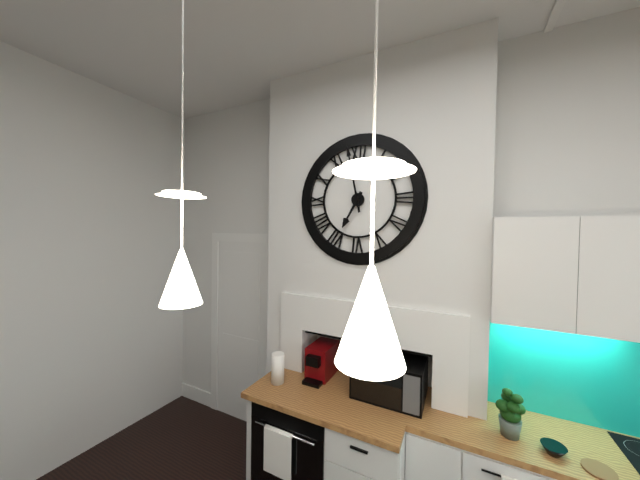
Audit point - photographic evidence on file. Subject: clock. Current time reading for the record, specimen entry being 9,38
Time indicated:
6,58
